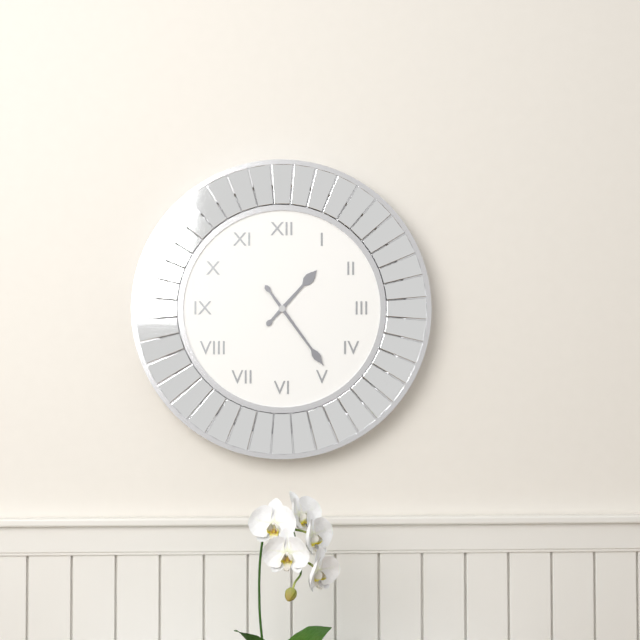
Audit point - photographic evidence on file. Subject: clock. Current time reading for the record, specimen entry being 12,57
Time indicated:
1,24
